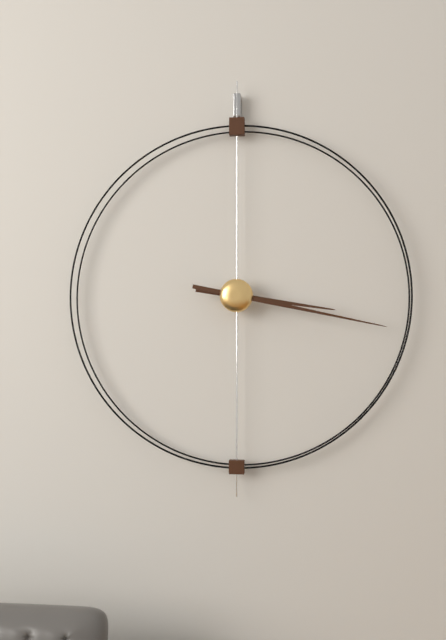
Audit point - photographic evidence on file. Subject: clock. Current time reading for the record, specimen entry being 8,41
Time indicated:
3,17
